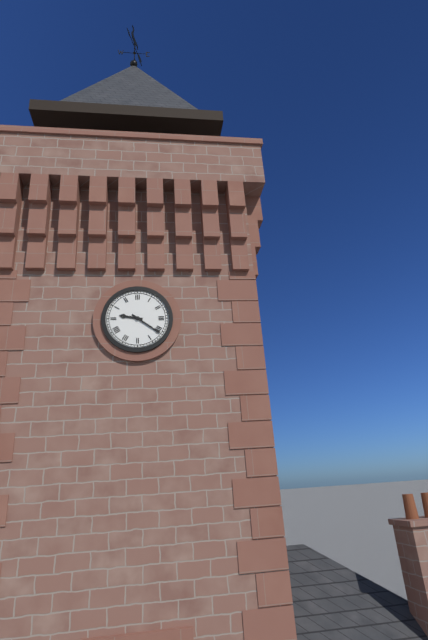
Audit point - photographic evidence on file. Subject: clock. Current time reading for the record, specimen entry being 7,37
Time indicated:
9,21
